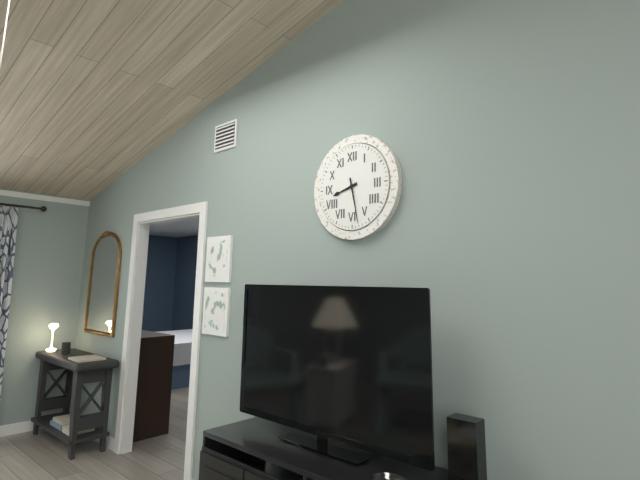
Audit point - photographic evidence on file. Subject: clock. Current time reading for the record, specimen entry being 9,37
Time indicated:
8,28
